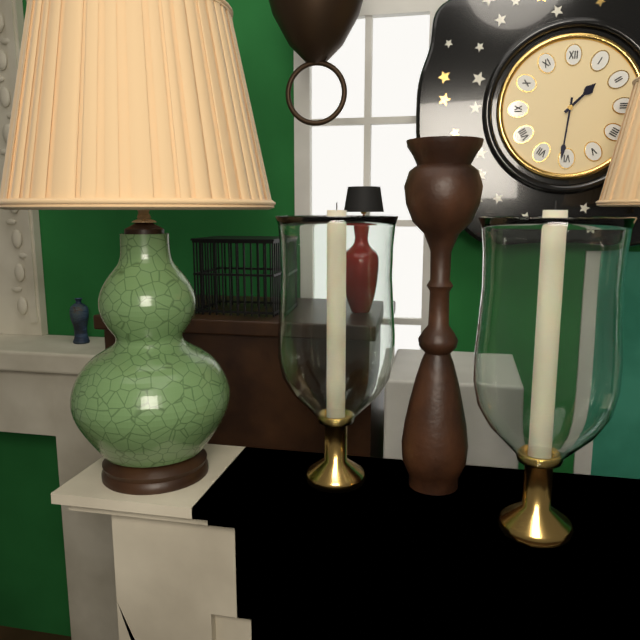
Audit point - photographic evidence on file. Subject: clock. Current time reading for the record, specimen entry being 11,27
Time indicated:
1,31
